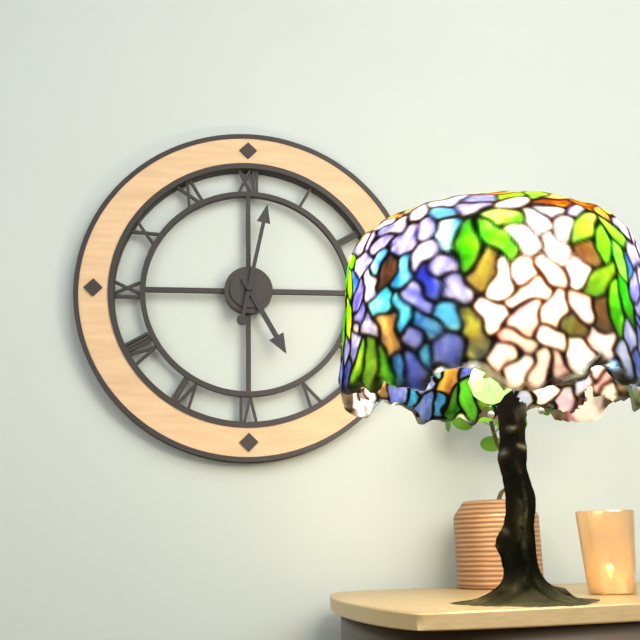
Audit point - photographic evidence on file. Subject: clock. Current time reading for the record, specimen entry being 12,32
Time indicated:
5,02
